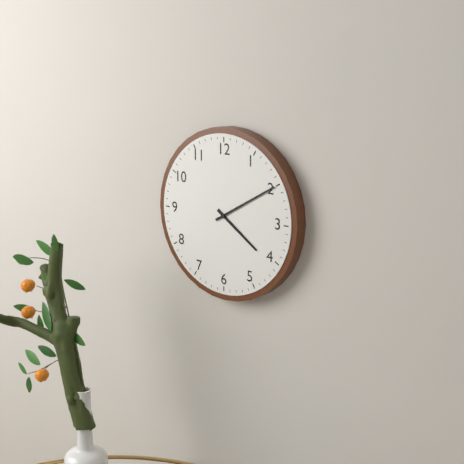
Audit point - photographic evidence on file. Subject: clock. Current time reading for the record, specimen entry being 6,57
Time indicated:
4,10
